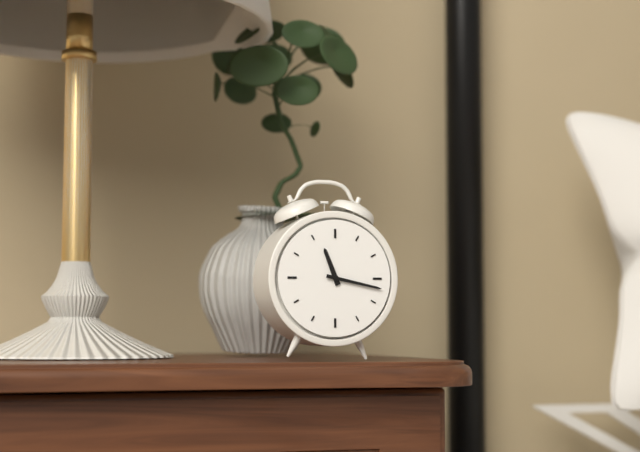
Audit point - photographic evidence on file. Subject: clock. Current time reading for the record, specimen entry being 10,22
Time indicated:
11,17
